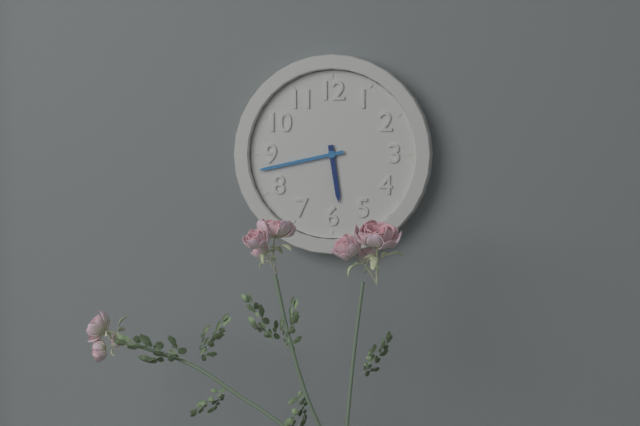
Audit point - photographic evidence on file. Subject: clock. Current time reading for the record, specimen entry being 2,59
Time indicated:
5,43
